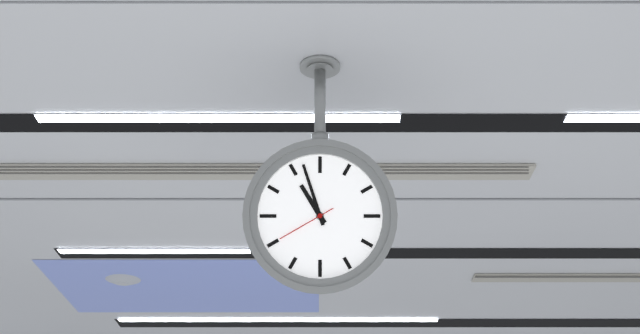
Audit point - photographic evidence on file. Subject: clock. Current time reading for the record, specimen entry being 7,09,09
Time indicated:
10,57,40
